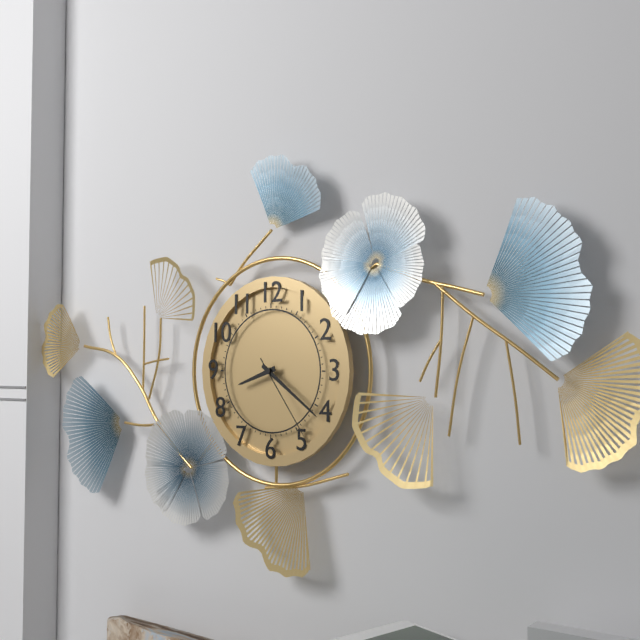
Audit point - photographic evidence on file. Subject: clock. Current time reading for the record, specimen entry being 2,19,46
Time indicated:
8,21,24
